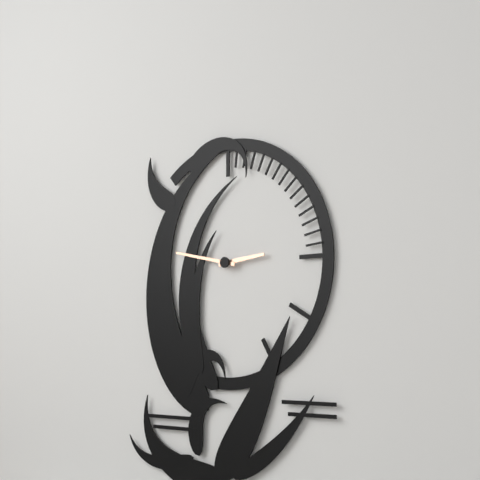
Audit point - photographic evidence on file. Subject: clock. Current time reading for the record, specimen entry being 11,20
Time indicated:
2,47
